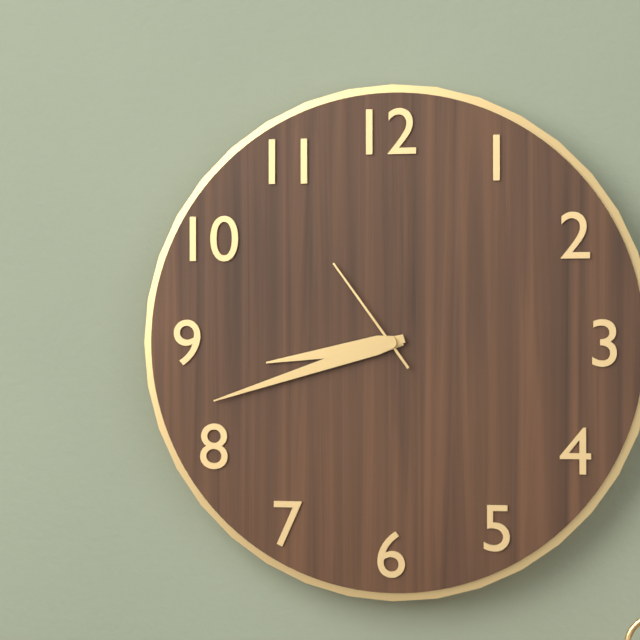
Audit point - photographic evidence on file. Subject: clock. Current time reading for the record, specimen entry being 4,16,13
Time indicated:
8,42,54
